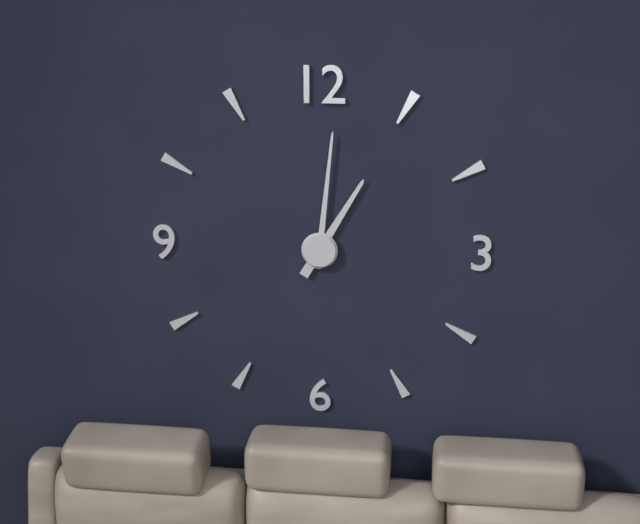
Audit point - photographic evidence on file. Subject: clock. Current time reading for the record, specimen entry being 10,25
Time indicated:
1,01
